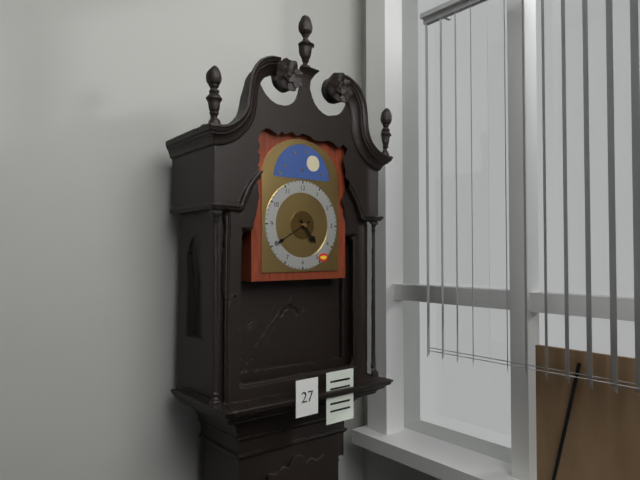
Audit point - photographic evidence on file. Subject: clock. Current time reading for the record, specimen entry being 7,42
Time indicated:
4,40
